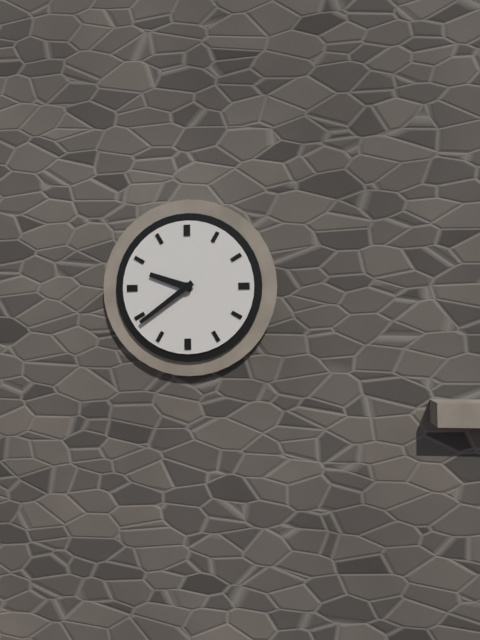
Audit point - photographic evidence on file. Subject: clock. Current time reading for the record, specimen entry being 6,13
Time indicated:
9,39
